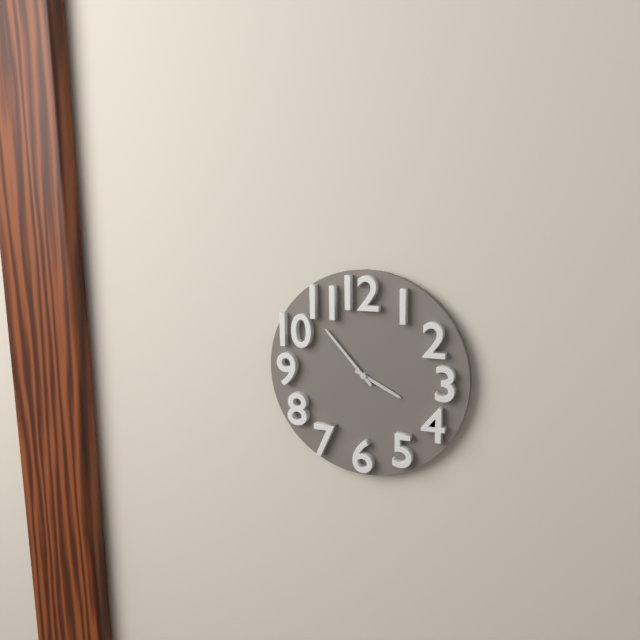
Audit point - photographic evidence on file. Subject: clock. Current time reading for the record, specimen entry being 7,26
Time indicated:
3,53
